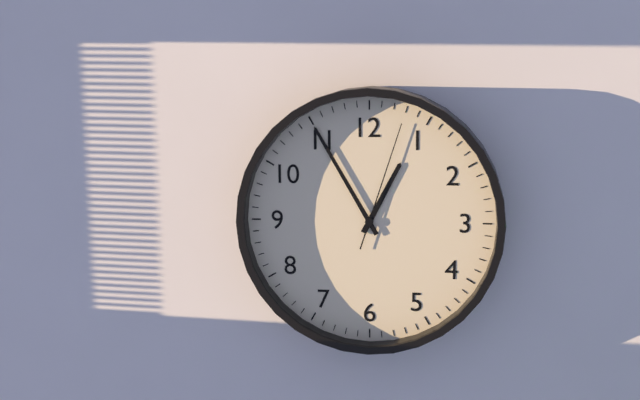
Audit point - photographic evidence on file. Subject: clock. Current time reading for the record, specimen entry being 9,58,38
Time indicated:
12,55,03
